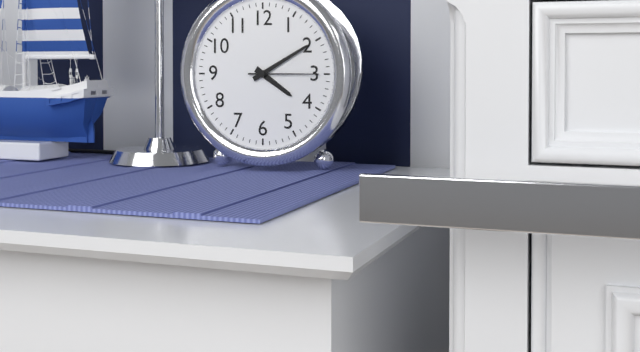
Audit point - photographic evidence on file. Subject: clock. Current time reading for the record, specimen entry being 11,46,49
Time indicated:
4,10,15
